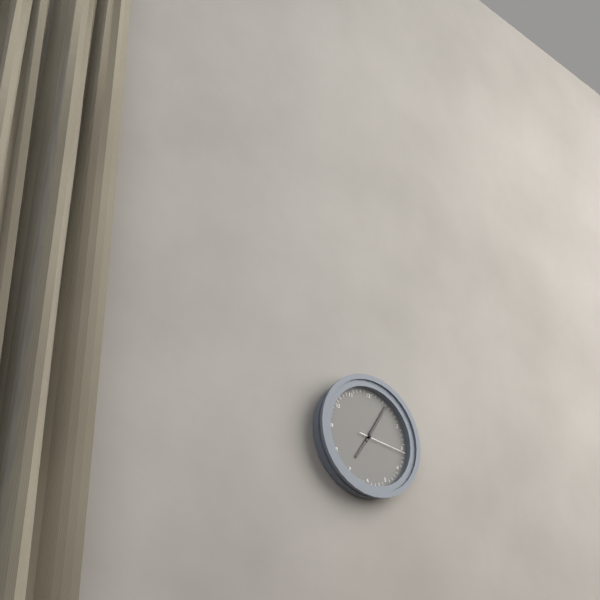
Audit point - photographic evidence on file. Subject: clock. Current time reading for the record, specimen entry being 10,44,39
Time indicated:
7,05,16
